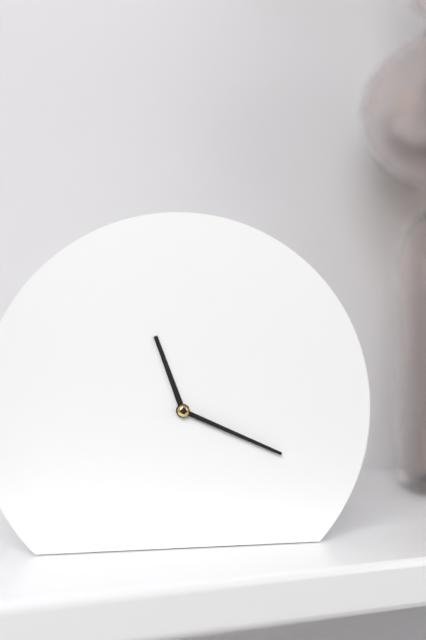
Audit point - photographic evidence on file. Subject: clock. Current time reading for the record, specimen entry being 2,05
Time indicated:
11,19
